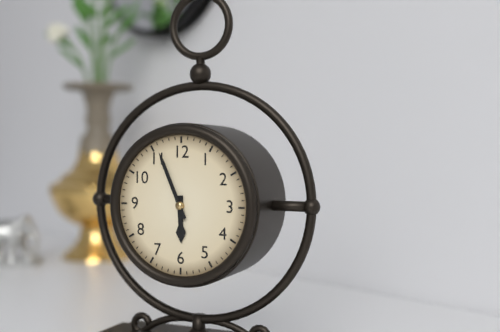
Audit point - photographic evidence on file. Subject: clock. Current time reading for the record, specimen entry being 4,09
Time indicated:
5,56
